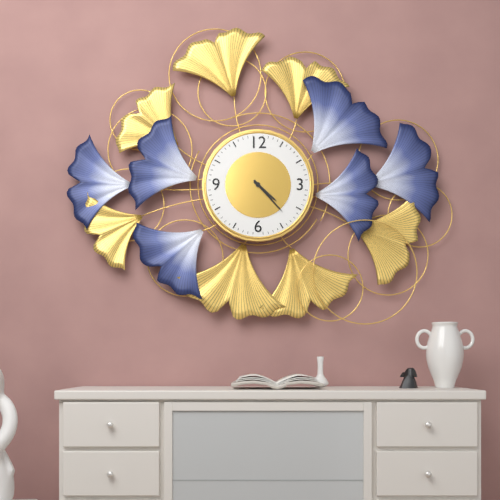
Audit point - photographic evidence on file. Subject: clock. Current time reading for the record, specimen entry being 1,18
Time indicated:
4,23
